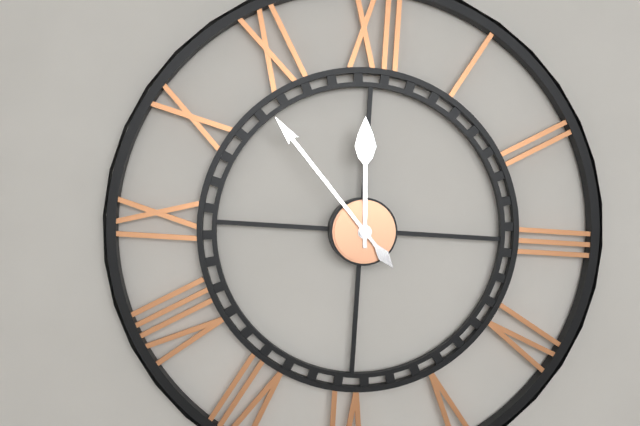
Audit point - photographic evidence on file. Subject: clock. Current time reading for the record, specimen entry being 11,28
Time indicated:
11,53
